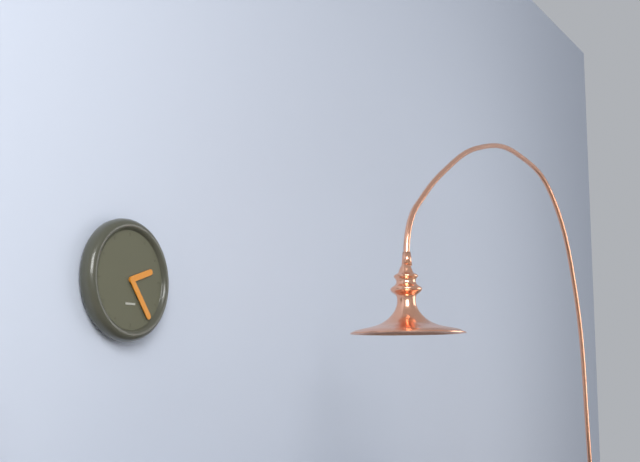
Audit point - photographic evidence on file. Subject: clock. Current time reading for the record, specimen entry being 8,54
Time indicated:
2,24
